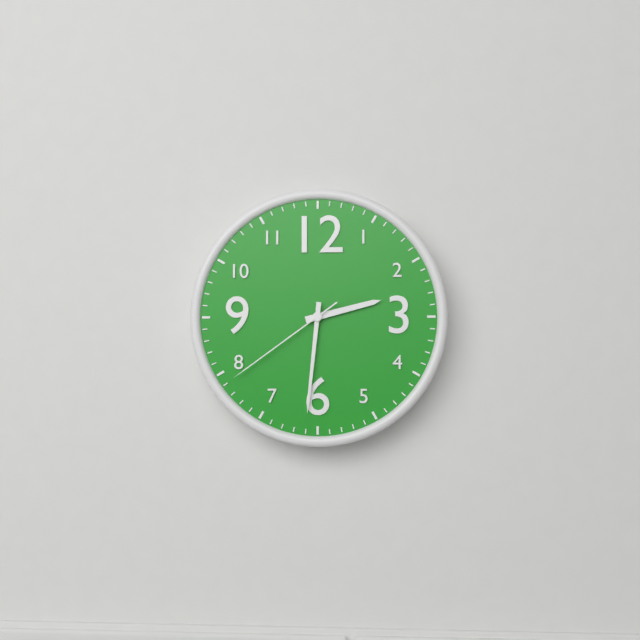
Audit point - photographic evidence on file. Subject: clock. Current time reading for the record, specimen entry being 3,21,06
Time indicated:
2,31,39
